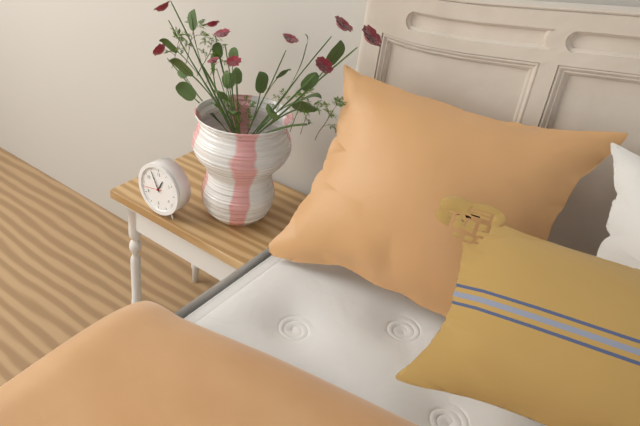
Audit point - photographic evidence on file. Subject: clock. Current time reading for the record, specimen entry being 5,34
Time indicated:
12,55
